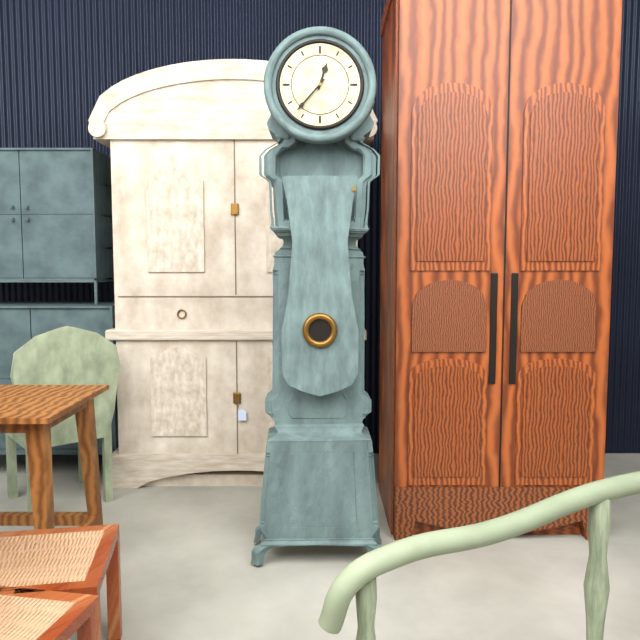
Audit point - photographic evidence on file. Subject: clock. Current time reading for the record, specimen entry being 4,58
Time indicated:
12,37
